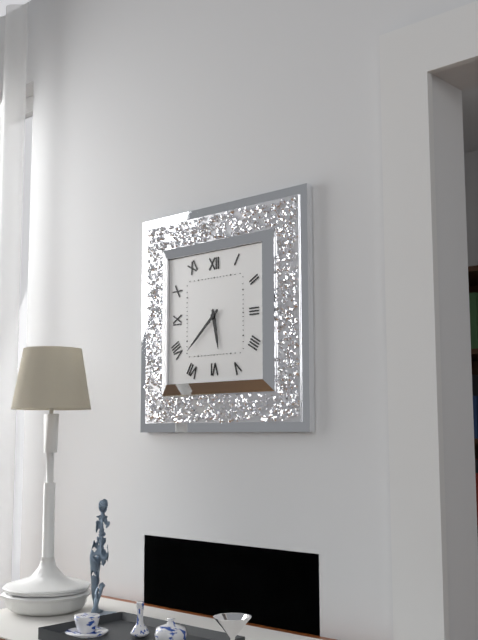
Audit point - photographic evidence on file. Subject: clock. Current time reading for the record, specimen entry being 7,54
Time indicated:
5,38
